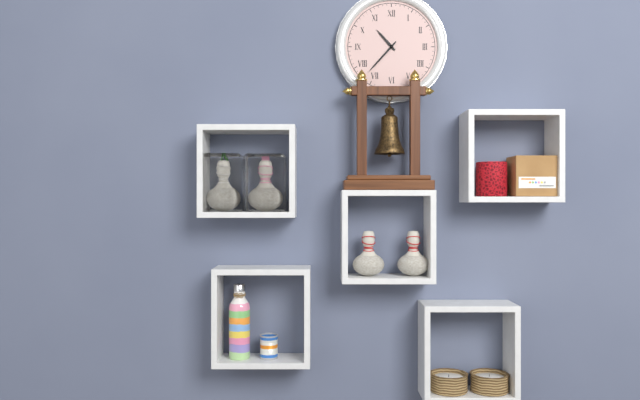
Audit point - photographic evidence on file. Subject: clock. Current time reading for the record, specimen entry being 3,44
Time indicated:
10,37
